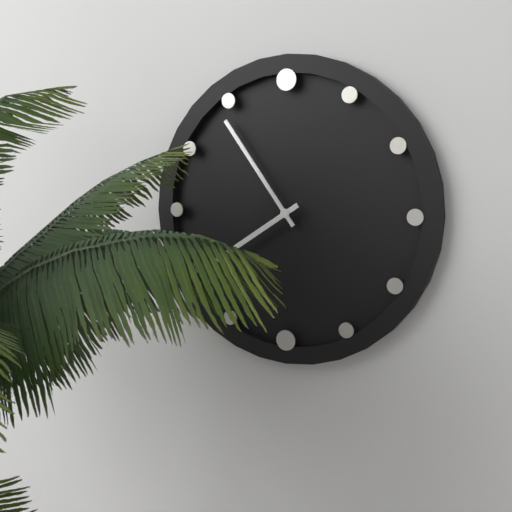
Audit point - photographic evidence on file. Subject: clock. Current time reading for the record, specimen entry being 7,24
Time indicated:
7,54
